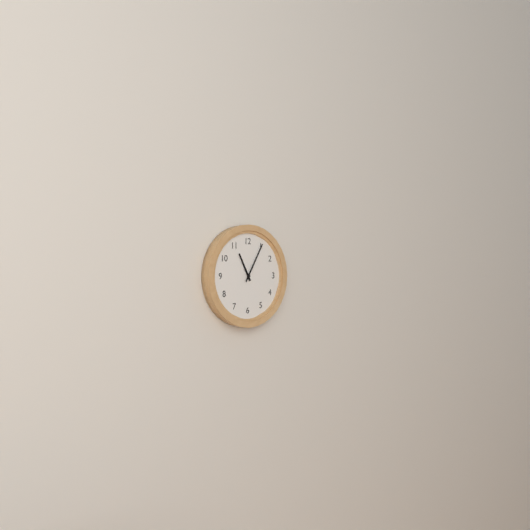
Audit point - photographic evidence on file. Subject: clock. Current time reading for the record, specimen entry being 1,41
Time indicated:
11,05
